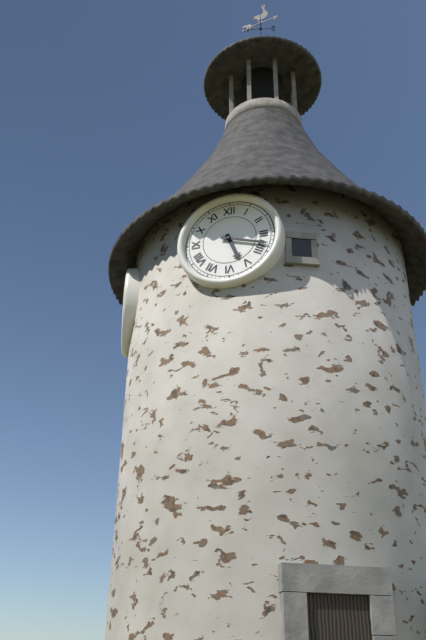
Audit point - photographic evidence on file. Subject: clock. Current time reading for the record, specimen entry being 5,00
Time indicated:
5,18
